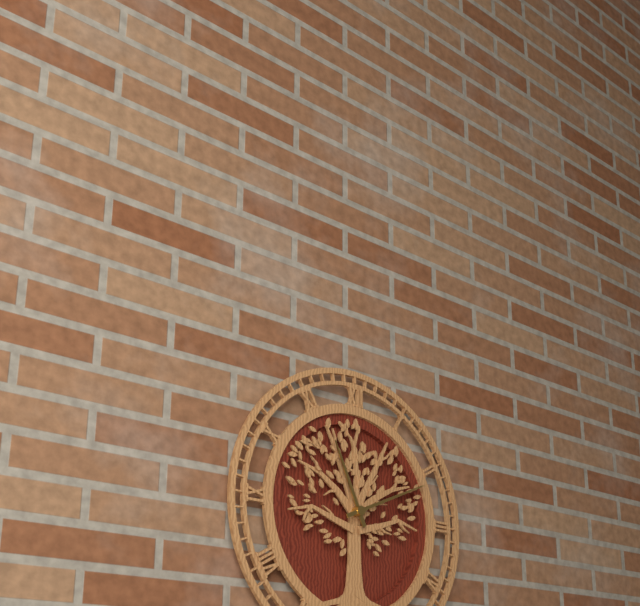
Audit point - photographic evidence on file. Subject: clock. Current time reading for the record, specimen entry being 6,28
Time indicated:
11,11
